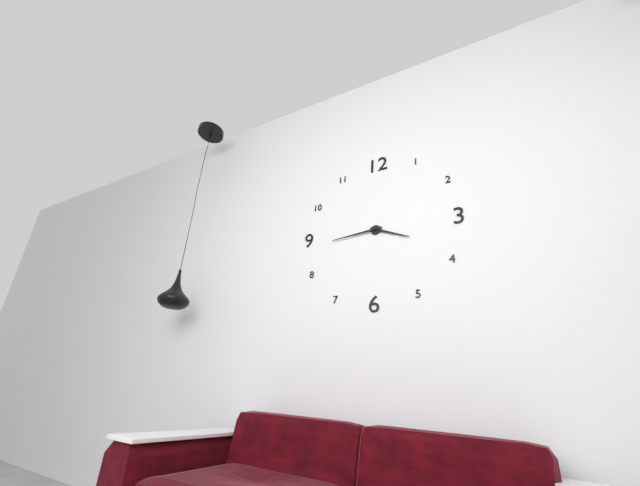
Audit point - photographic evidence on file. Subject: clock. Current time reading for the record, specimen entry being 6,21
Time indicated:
3,44
